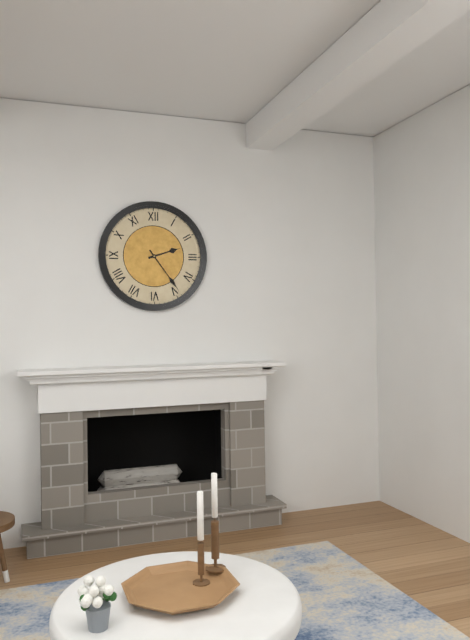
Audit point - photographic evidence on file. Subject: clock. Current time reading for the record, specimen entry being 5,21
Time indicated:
2,24
